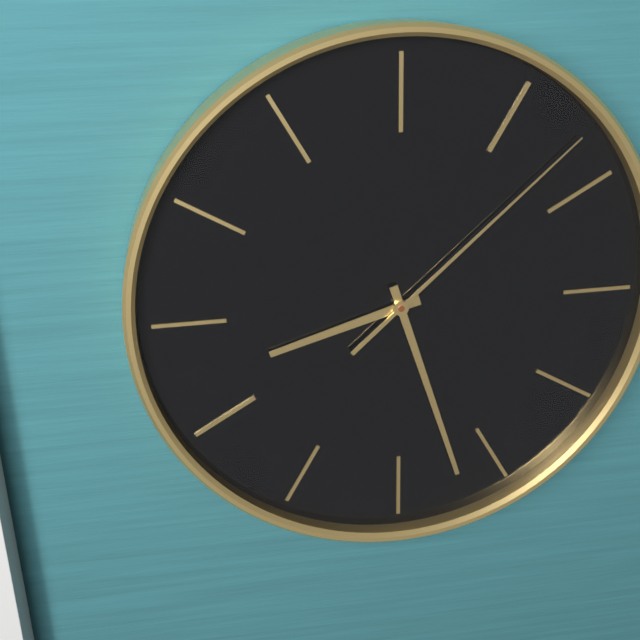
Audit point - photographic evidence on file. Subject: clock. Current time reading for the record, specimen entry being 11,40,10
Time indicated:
8,27,08
